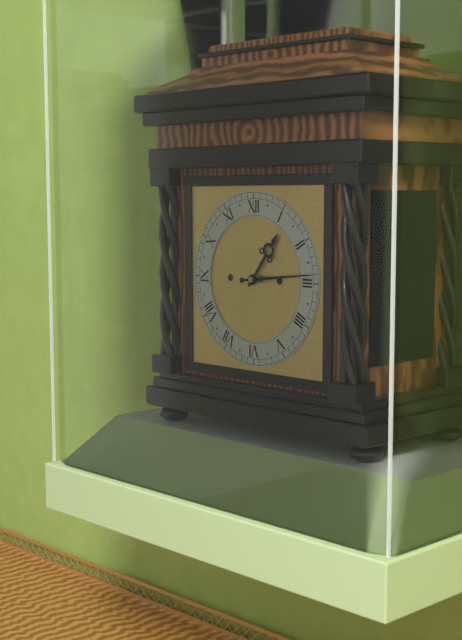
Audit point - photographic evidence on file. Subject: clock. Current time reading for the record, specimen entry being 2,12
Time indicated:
1,14
